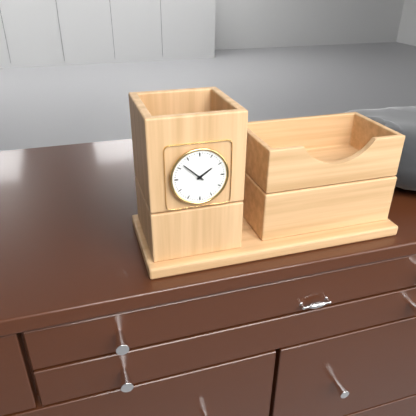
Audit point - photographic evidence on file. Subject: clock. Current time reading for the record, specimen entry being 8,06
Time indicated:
1,52
